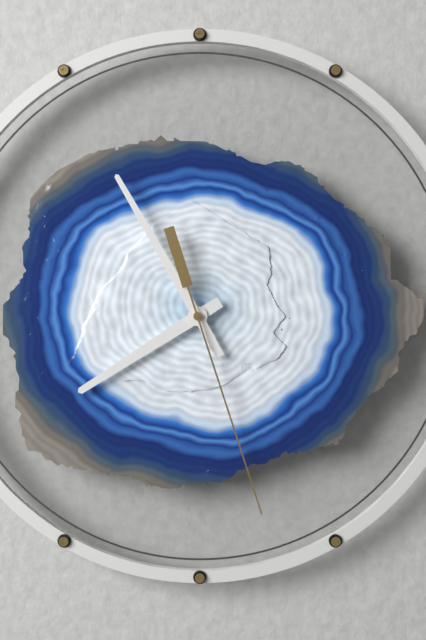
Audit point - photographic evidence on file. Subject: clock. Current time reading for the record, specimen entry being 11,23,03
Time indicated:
7,55,27
